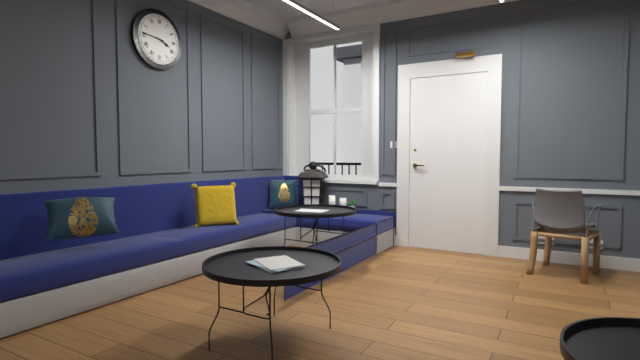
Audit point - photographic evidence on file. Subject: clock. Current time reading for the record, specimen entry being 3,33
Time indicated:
3,46
